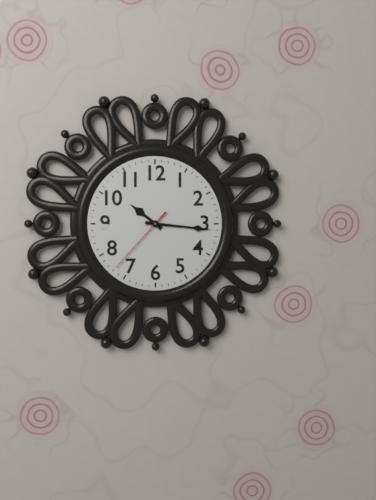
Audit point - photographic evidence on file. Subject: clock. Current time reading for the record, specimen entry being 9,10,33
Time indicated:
10,16,37
